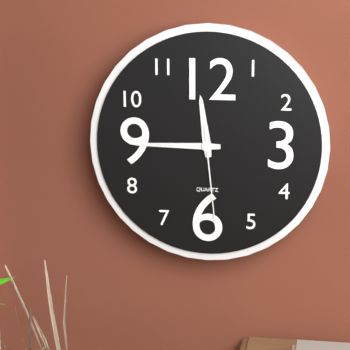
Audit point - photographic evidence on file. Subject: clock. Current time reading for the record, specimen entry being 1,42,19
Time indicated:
11,45,29
